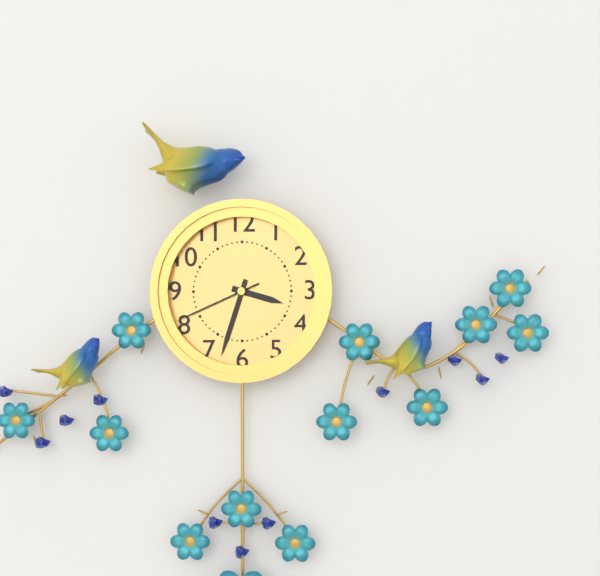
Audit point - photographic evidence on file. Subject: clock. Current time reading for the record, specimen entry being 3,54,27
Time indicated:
3,33,41
